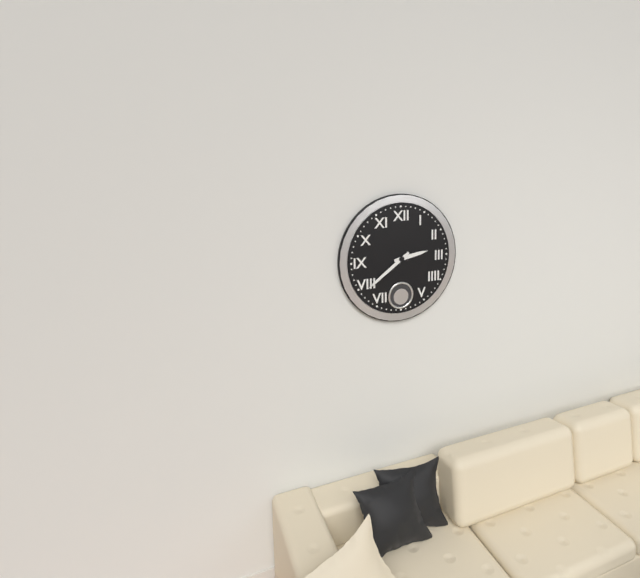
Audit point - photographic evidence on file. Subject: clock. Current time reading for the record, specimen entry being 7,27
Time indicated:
2,39
